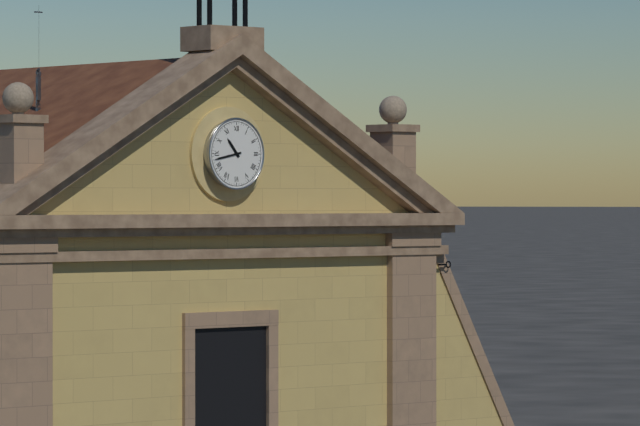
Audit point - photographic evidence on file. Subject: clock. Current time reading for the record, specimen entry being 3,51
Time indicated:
10,43
